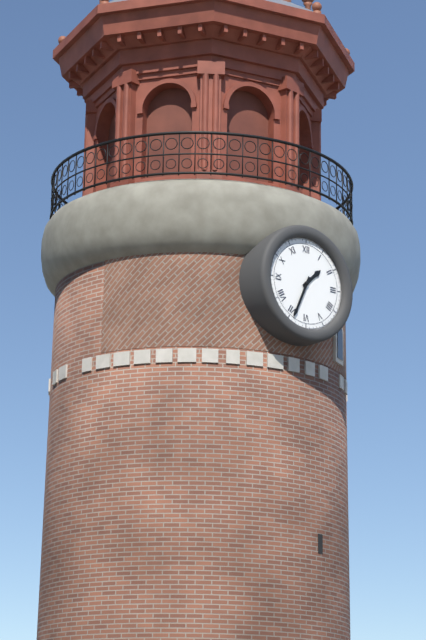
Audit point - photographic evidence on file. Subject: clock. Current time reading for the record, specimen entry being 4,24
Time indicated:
1,34
